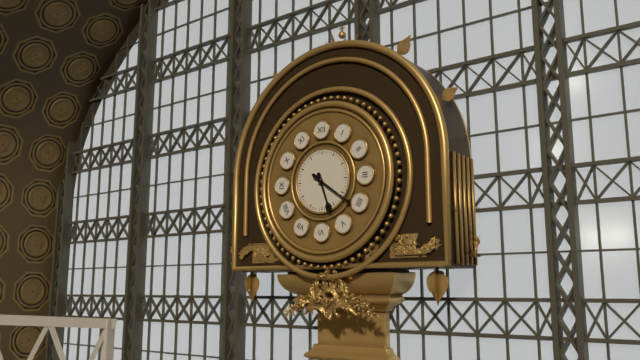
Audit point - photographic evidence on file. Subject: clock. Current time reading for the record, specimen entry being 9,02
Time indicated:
5,21
